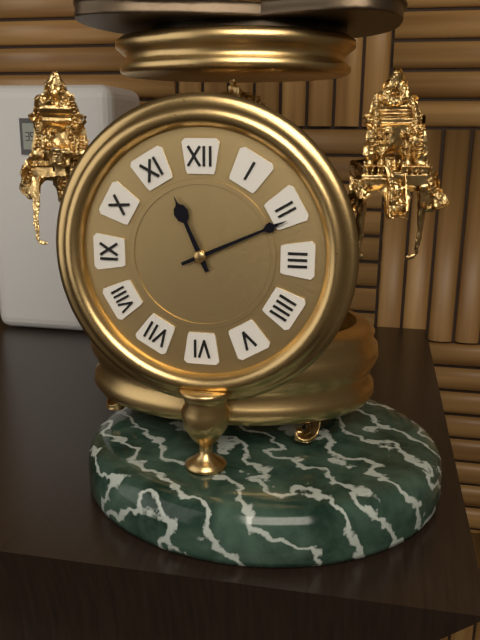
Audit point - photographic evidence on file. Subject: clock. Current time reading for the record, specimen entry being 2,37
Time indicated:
11,11
